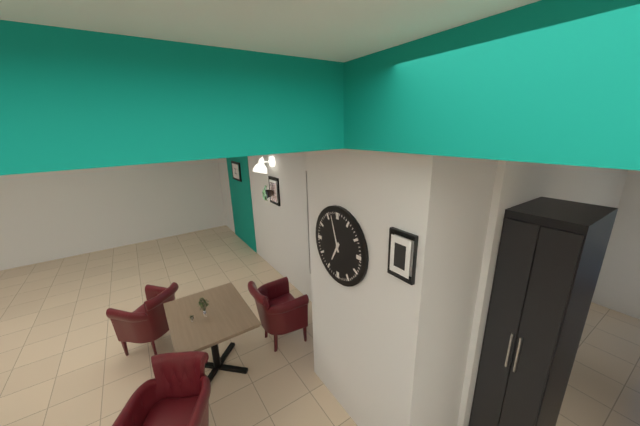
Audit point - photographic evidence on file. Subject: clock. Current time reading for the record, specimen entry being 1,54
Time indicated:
6,57
